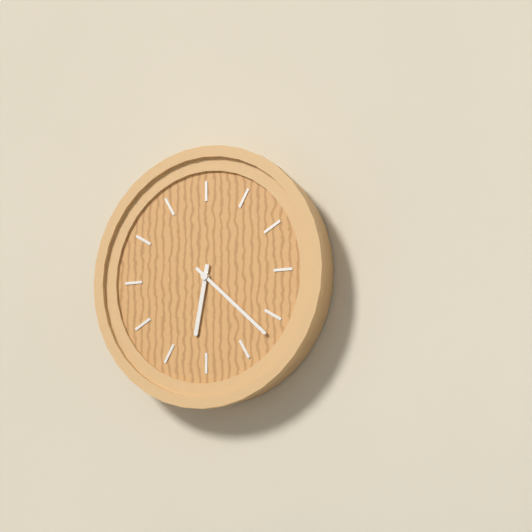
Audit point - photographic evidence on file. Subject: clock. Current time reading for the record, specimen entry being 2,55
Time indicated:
6,22
